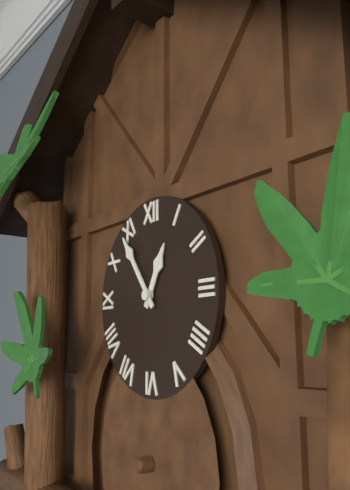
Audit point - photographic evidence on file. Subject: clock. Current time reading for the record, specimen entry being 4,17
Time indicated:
12,54
